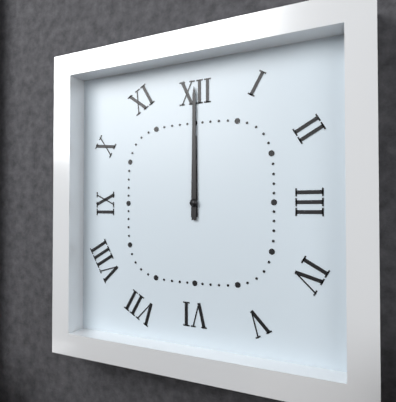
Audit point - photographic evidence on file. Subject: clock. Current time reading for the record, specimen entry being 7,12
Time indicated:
12,00
